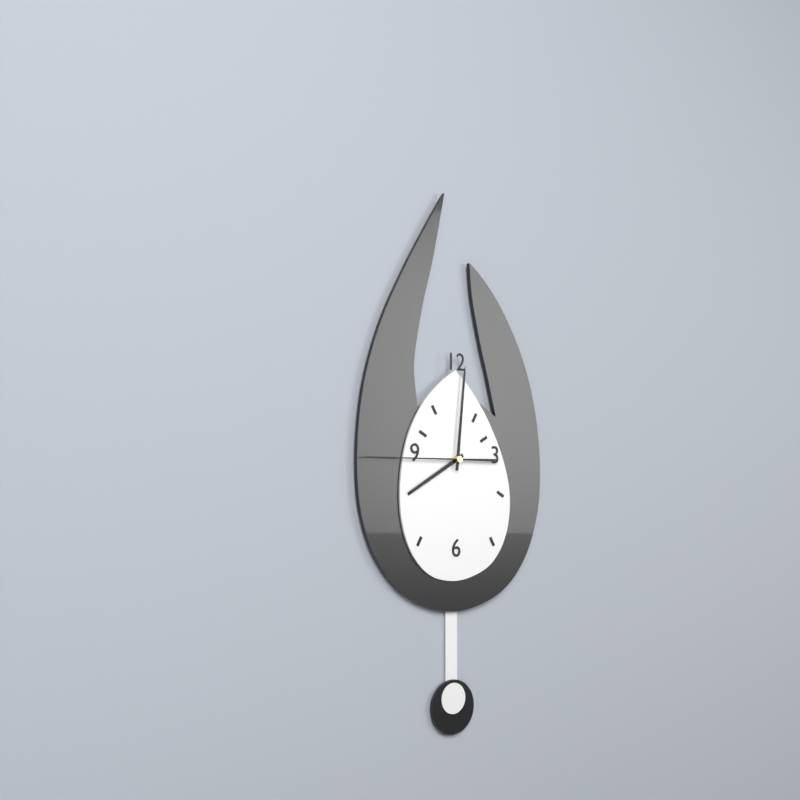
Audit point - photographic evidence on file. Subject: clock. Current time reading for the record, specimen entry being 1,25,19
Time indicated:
8,01,45
